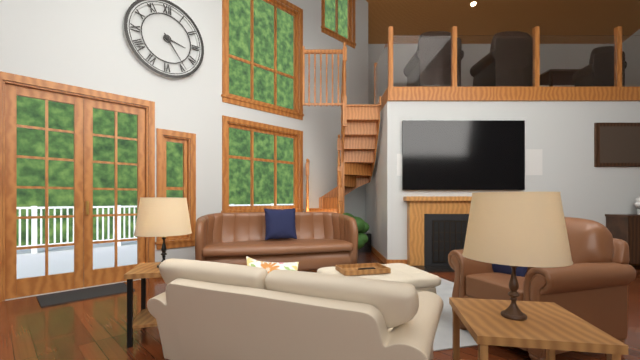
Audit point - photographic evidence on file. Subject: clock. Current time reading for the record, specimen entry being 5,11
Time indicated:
3,24
